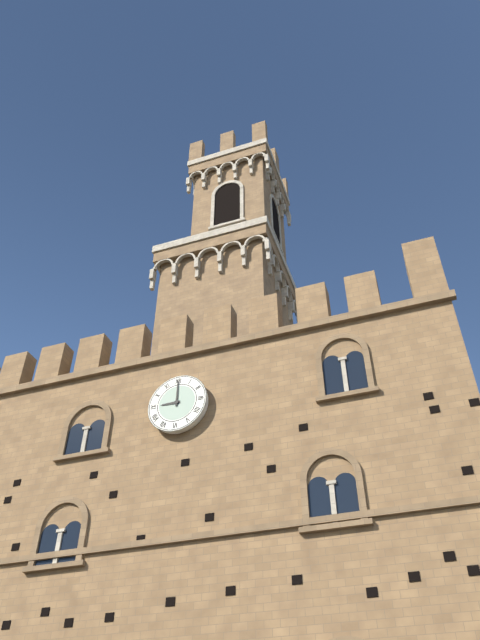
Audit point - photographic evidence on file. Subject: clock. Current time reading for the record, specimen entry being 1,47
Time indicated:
9,00
